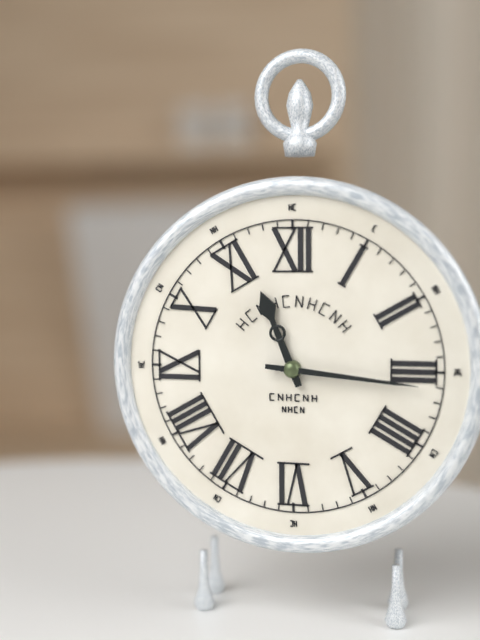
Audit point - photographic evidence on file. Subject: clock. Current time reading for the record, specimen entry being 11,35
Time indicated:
11,16
